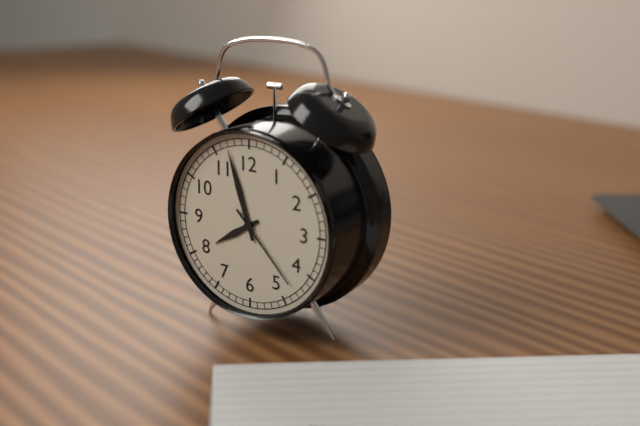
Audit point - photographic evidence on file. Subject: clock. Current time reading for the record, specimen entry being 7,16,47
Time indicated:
7,57,23
